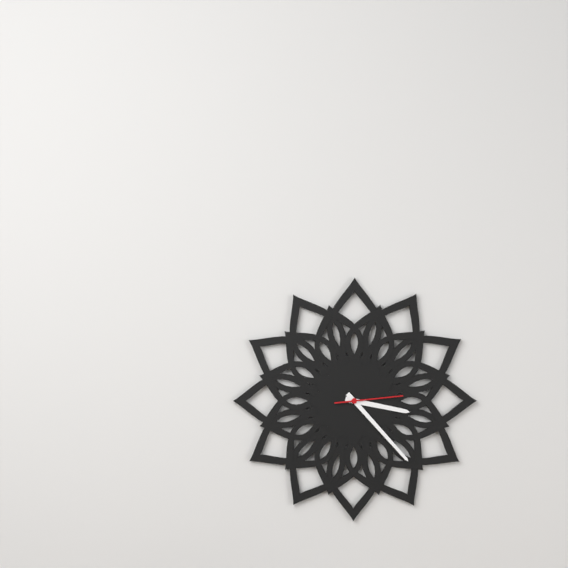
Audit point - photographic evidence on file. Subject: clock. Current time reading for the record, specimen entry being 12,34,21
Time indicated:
3,23,14
